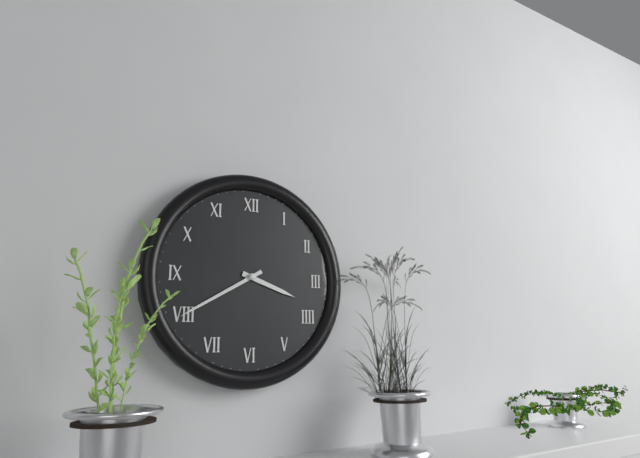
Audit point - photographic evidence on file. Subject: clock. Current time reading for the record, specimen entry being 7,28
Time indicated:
3,40
